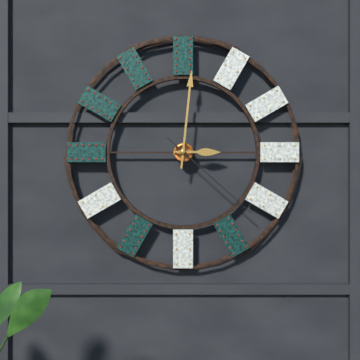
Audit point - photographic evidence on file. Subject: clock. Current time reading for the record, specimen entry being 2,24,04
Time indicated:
3,01,22
